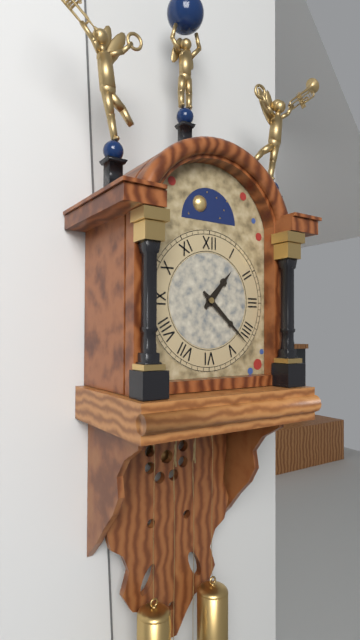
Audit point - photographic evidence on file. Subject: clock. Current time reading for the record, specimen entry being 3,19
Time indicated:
1,22
